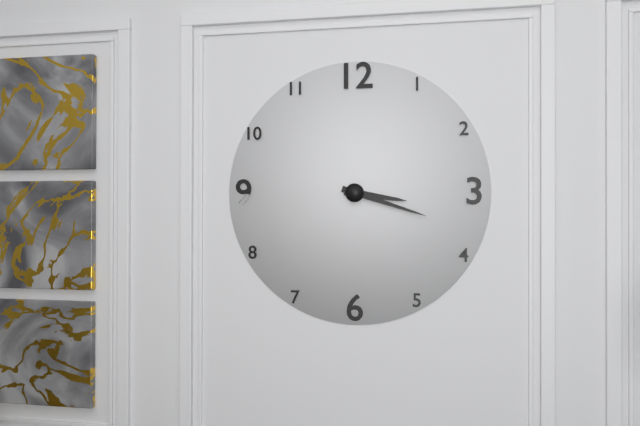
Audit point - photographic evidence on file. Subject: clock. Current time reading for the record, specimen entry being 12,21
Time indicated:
3,18
